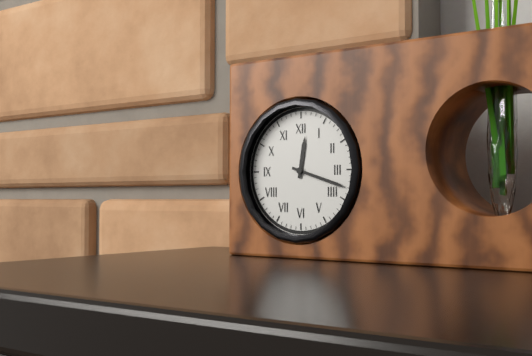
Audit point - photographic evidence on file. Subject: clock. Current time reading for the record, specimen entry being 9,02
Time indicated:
12,18
